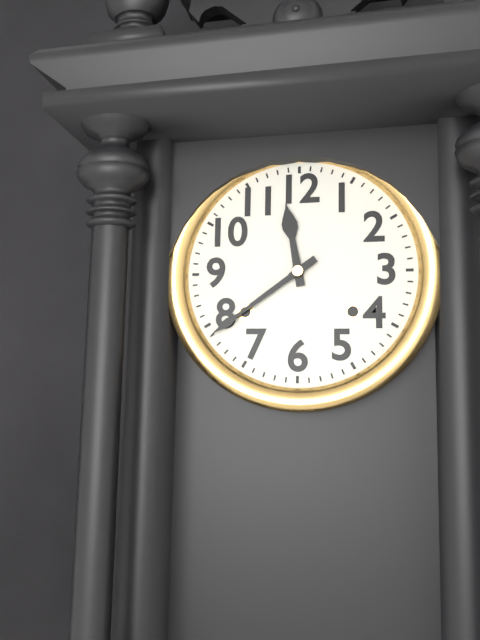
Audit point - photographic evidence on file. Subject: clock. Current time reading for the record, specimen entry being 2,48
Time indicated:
11,39
